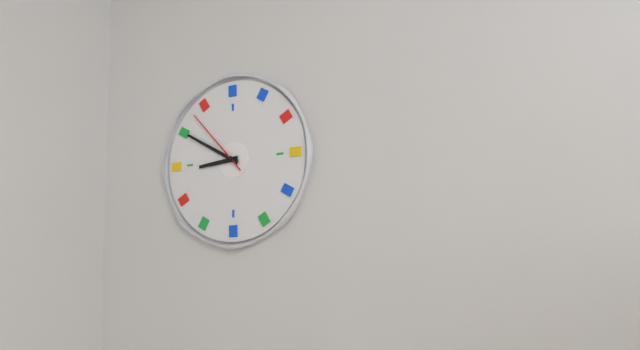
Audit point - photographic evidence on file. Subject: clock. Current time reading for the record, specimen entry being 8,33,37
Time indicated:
8,50,53
